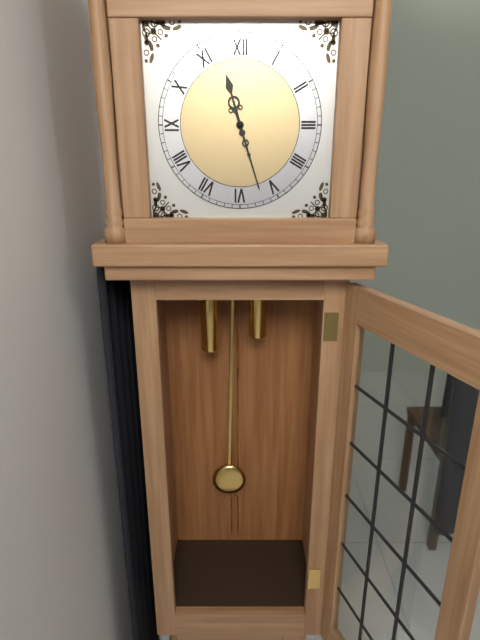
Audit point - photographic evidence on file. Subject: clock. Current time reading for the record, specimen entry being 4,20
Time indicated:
11,27
